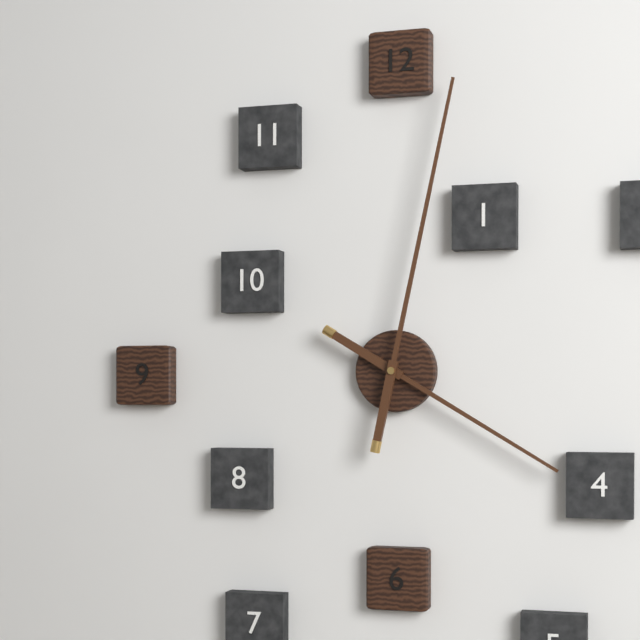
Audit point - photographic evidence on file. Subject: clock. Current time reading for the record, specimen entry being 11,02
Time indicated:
4,02
